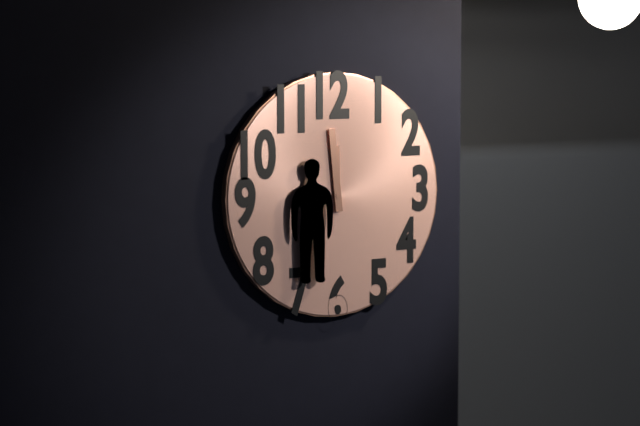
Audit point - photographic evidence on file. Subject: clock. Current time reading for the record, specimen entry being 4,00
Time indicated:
11,59
